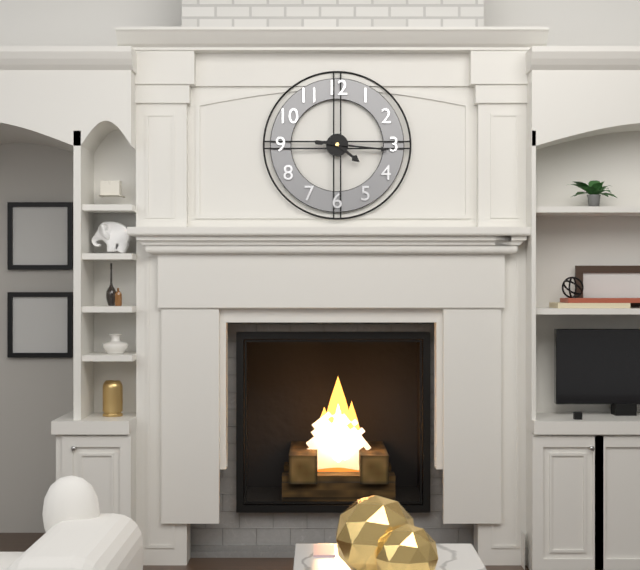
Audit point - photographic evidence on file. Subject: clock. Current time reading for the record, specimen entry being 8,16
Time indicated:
4,16
